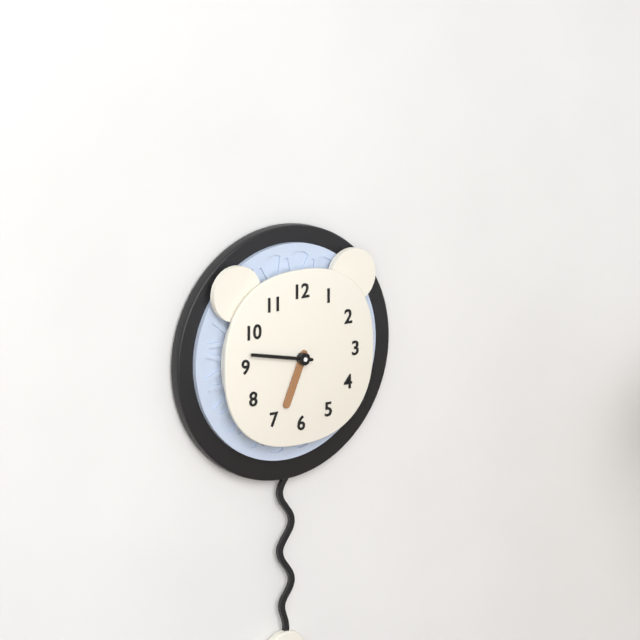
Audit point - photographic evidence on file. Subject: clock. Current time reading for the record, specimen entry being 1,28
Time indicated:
6,47
